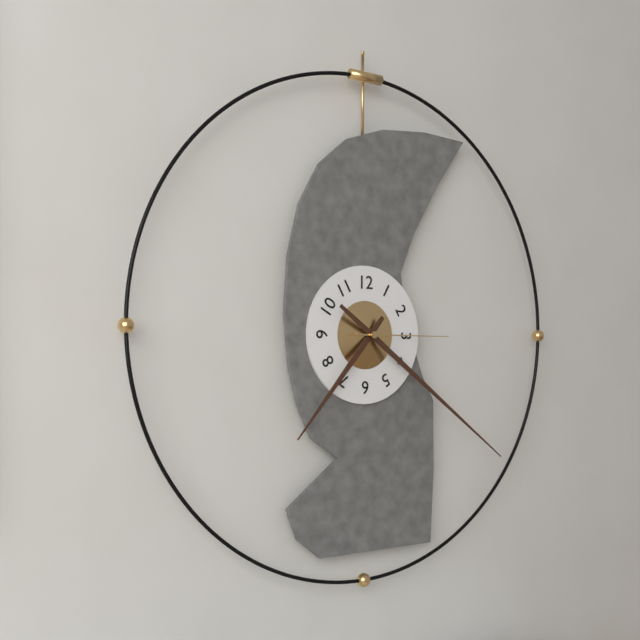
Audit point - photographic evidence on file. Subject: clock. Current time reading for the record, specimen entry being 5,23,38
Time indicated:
7,21,15
